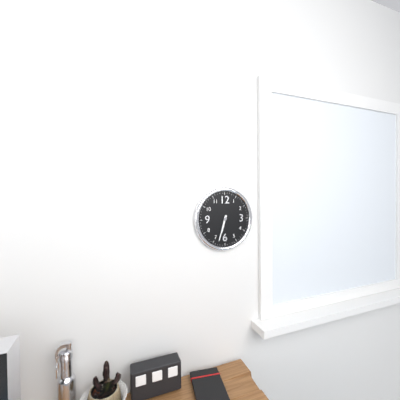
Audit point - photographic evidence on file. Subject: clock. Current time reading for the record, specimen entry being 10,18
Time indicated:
6,33
